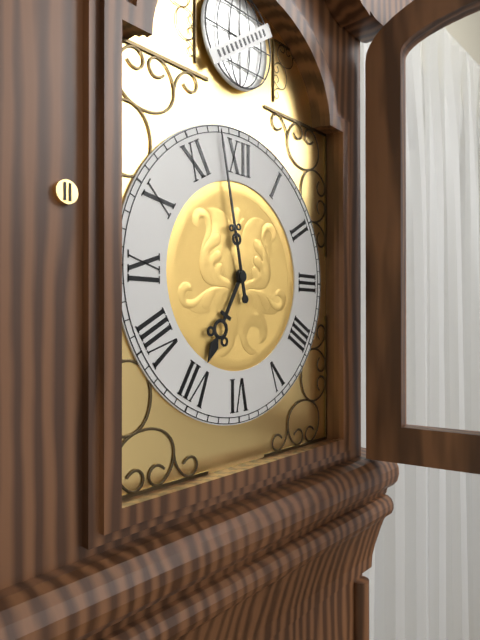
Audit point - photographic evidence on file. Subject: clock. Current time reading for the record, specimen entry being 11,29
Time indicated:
6,58
